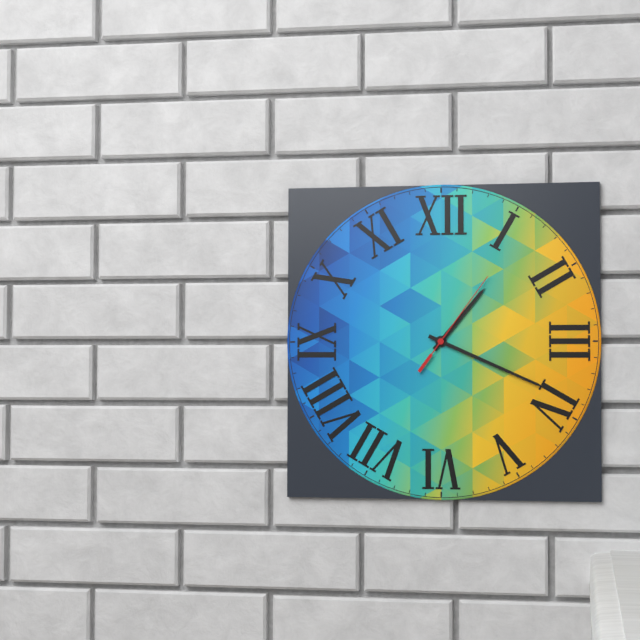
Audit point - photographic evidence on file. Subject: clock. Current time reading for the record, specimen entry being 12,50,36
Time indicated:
1,19,06
